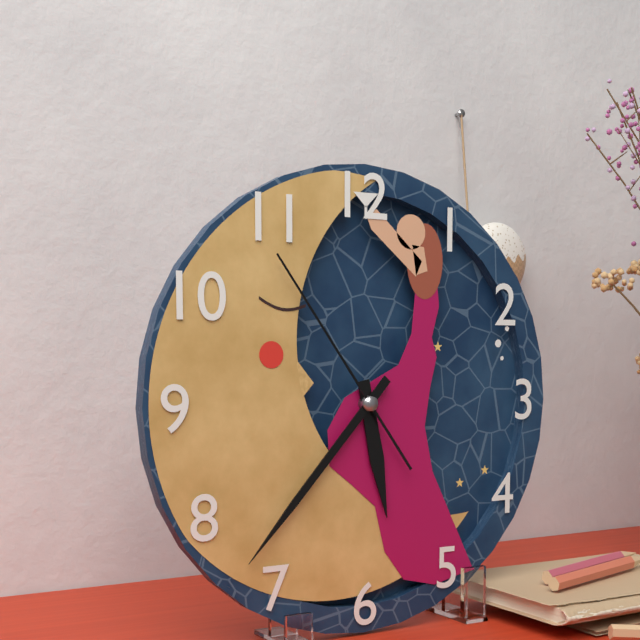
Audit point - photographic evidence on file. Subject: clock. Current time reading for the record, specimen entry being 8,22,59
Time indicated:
5,37,54
